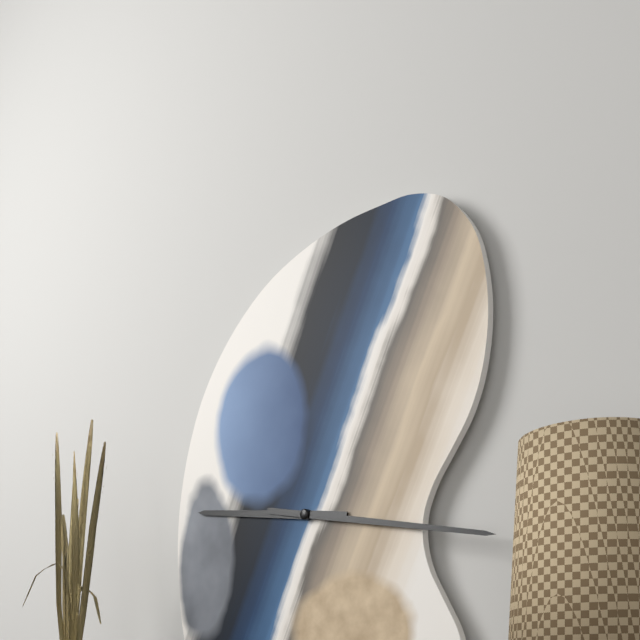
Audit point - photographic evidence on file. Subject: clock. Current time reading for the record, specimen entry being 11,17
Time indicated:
9,17
